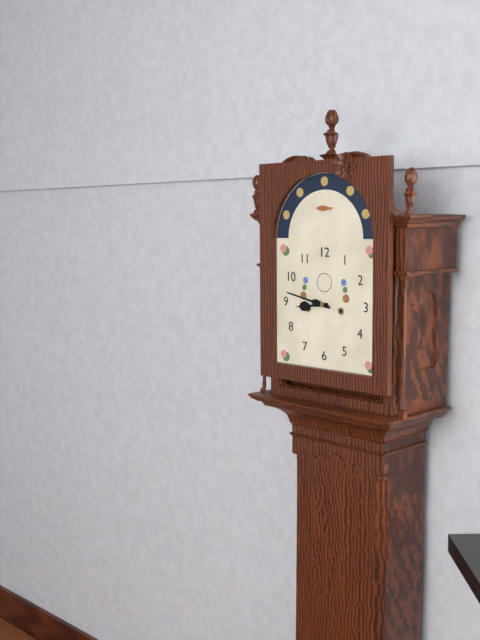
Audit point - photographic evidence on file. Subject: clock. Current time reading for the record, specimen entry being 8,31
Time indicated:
8,47
